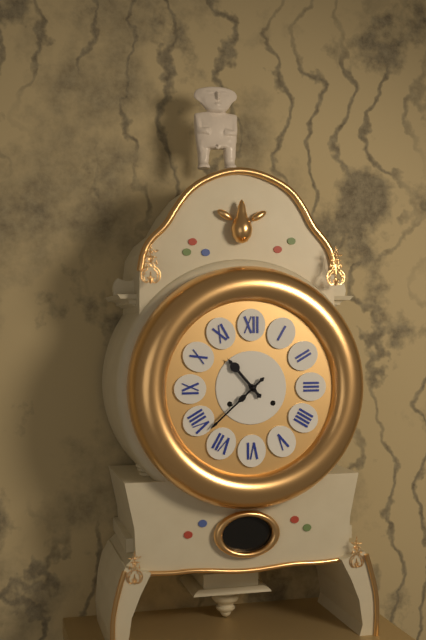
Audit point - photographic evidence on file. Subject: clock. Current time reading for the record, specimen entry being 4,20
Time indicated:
10,38
